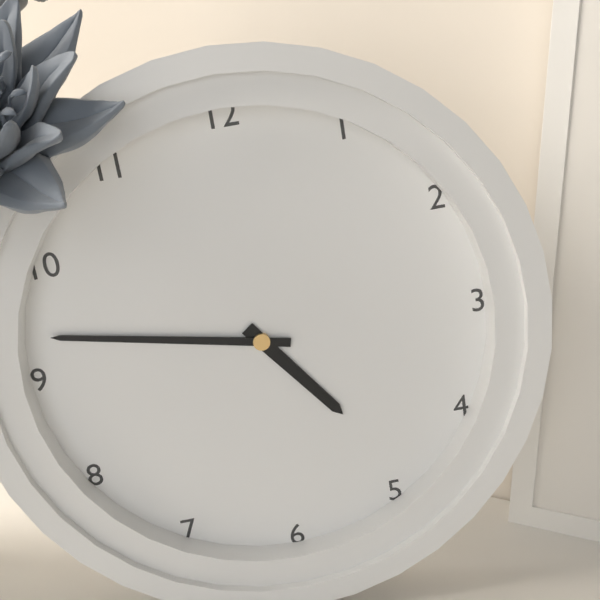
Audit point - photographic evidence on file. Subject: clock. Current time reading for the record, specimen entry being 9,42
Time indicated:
4,47
